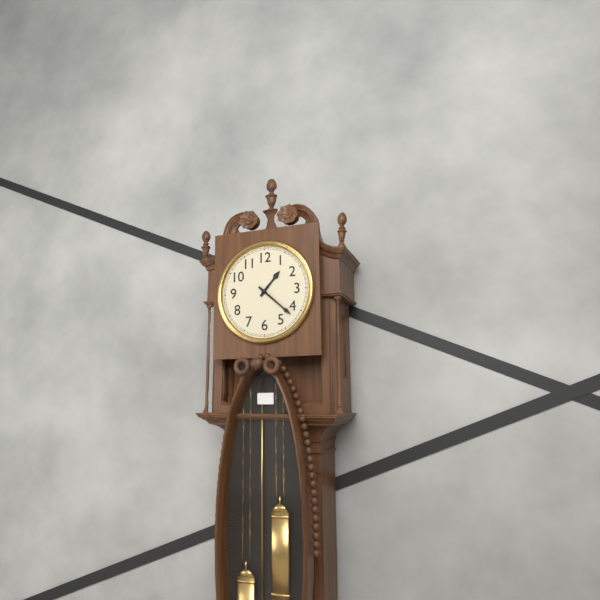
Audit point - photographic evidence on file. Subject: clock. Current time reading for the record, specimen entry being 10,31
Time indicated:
1,22
